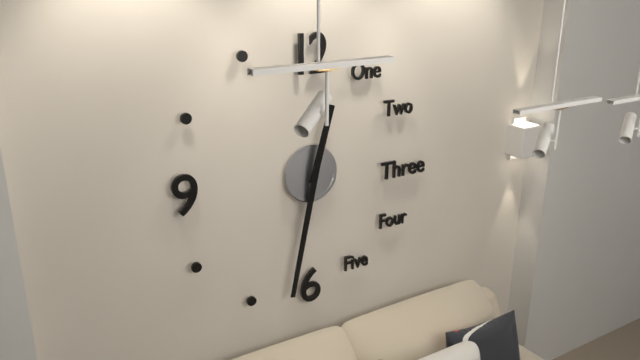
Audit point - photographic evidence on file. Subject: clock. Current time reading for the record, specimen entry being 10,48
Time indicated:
12,32
